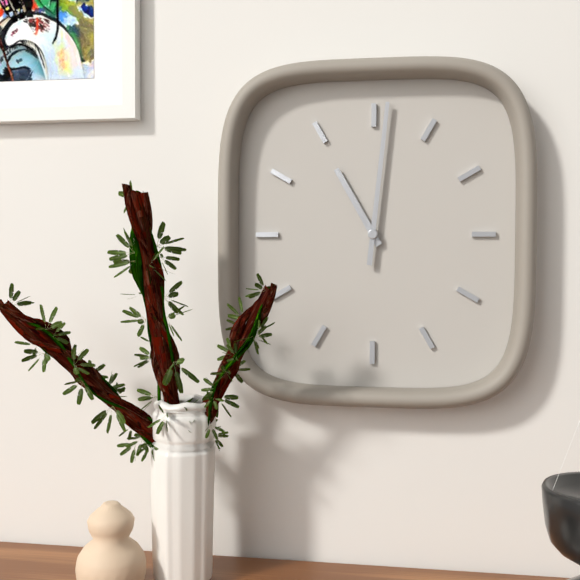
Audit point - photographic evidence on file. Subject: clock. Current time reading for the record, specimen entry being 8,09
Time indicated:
11,01
